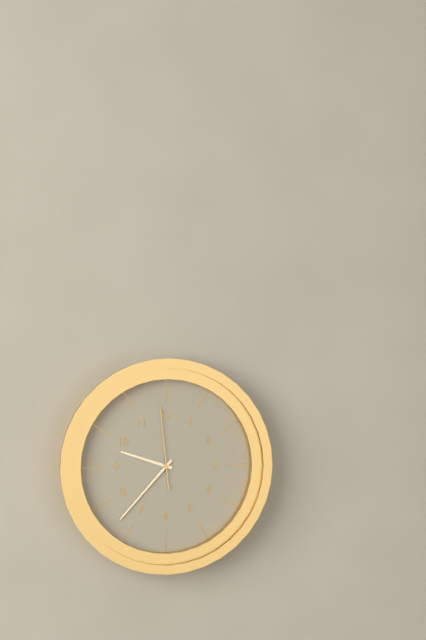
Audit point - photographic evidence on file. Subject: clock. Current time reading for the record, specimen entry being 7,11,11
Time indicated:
9,37,59
